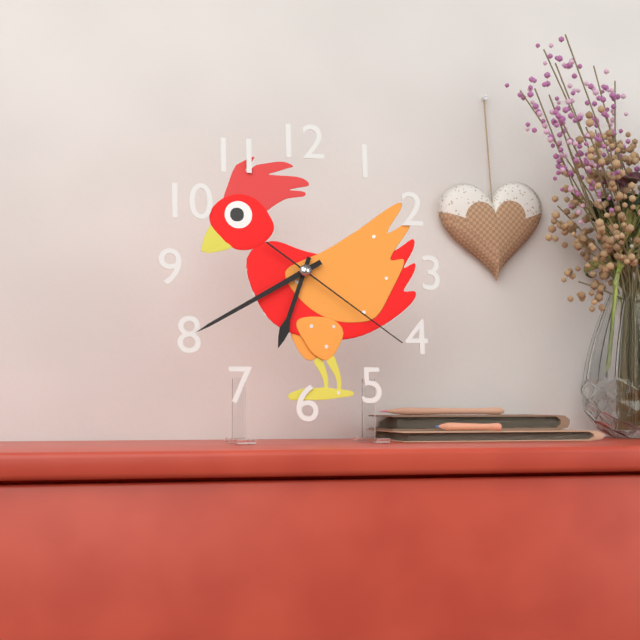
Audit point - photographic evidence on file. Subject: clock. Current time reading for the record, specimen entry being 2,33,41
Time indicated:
6,40,21
